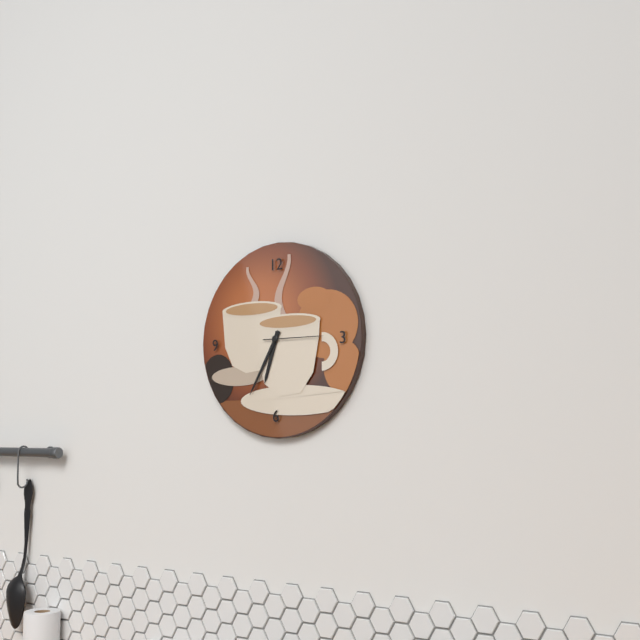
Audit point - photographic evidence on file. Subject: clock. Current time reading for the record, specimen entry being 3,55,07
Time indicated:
6,35,15
